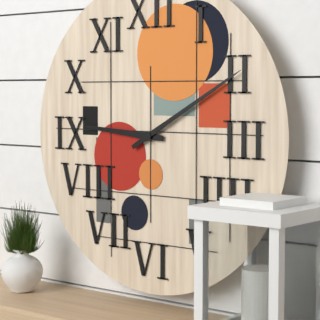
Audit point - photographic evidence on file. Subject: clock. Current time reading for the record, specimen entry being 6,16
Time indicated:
9,10
